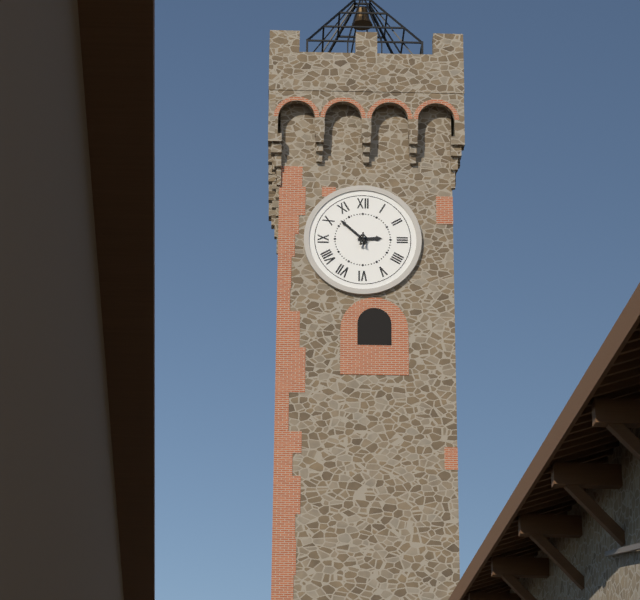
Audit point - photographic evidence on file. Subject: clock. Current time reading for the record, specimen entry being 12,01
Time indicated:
2,52
